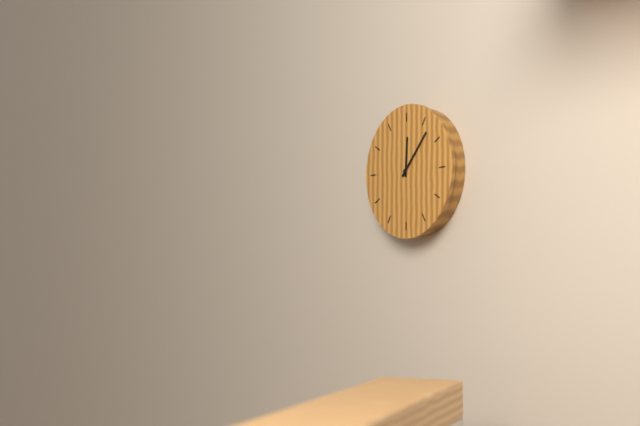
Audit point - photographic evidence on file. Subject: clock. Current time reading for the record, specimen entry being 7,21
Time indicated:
12,07
